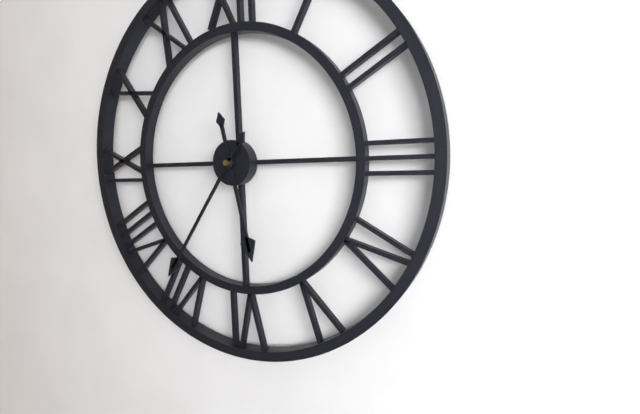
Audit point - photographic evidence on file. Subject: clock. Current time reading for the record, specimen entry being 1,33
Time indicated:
5,36
